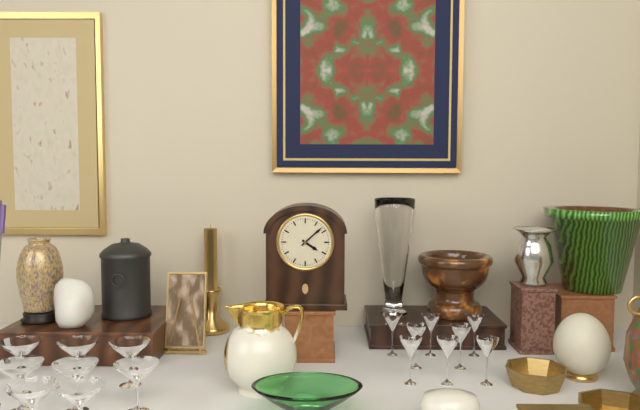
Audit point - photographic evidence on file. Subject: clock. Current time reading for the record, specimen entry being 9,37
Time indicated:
4,08
